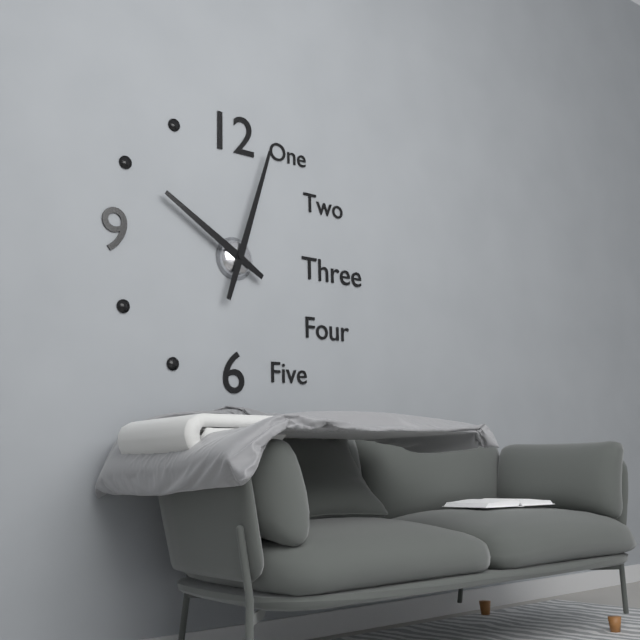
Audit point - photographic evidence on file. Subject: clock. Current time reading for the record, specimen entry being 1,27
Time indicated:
10,03
